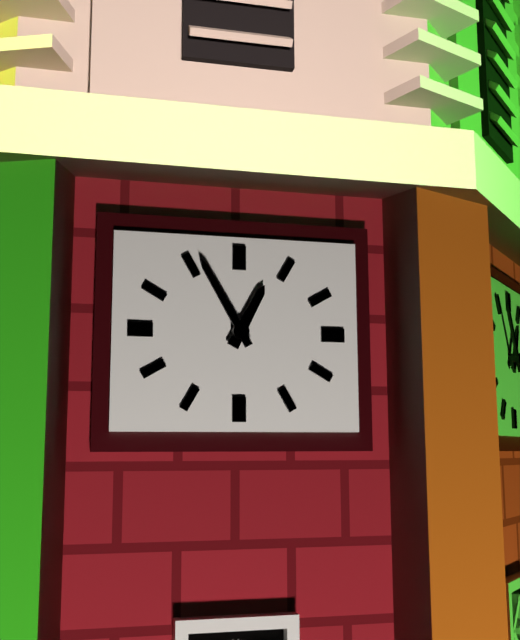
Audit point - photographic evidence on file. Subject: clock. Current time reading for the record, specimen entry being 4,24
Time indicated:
12,55
